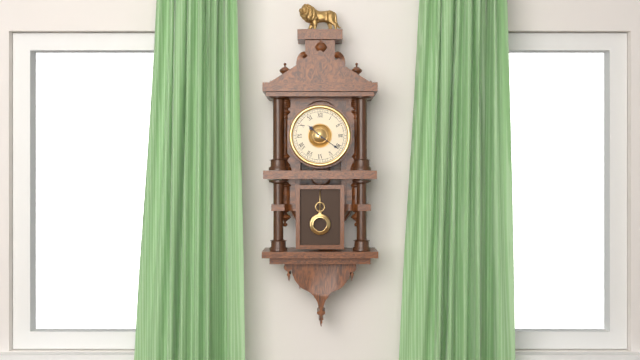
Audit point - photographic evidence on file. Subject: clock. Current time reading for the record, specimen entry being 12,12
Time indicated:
10,21
